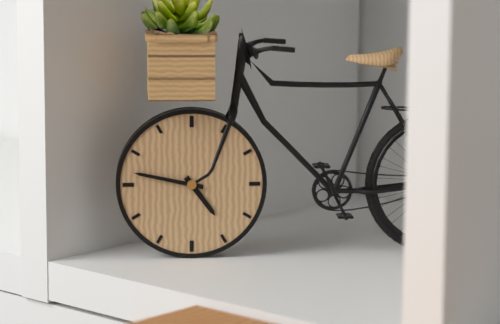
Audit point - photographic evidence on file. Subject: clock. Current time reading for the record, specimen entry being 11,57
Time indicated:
4,47
